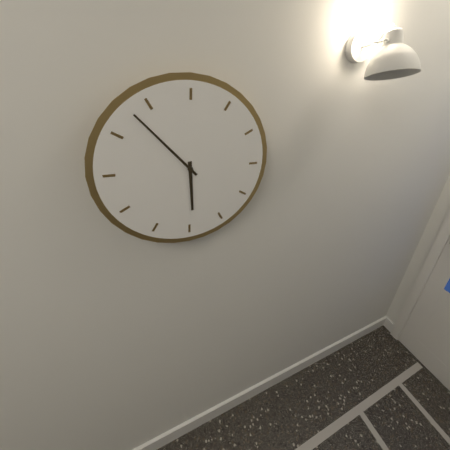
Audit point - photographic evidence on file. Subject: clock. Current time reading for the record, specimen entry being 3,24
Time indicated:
5,53
